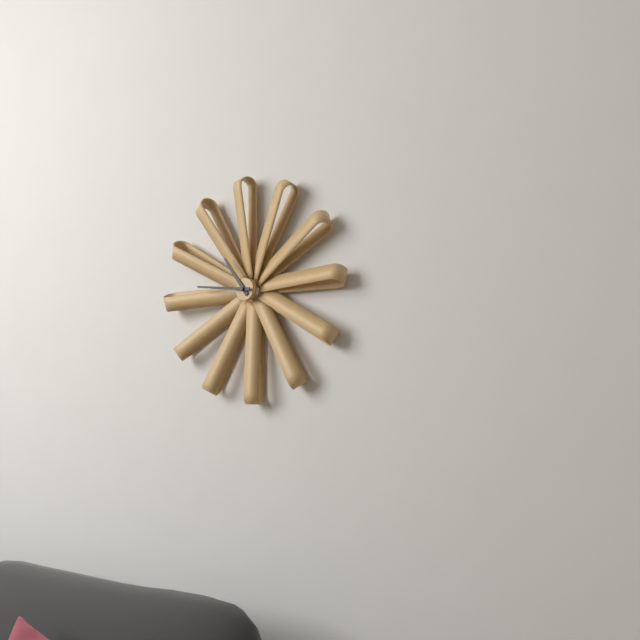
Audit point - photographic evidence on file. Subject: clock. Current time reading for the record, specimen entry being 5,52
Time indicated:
10,46
